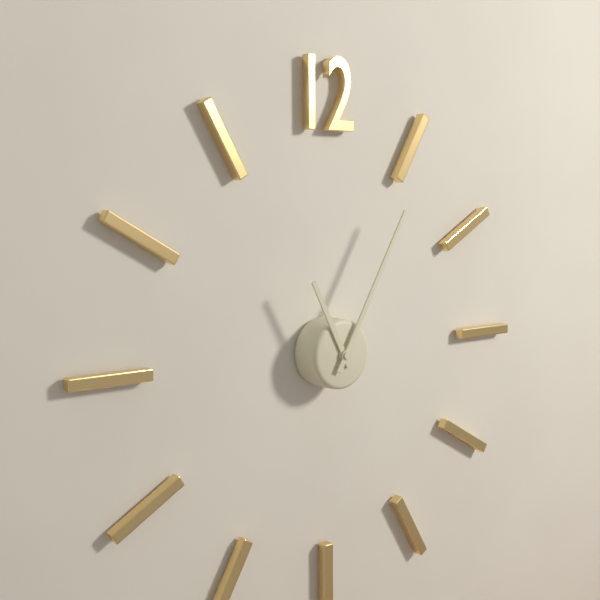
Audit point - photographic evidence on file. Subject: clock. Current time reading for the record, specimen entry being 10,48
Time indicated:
11,05
